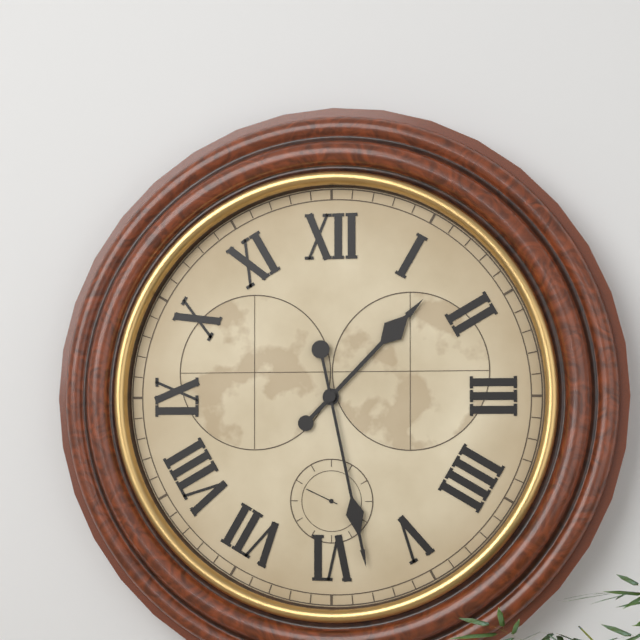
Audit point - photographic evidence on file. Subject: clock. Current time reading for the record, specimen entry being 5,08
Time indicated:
1,28
